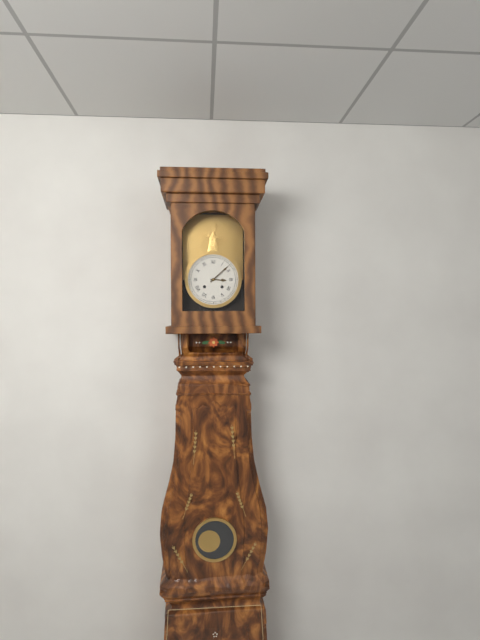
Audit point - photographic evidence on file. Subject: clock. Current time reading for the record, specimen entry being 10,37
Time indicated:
3,08
